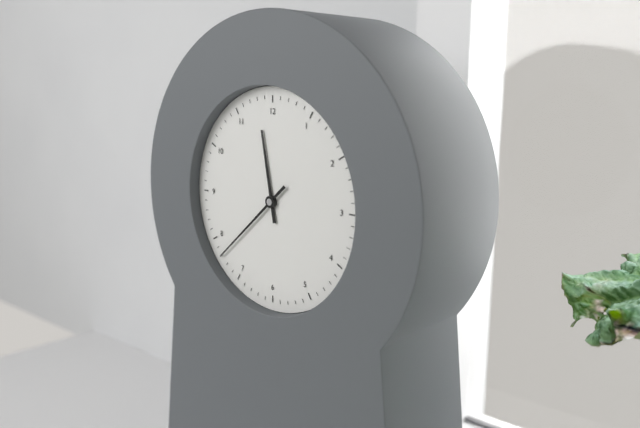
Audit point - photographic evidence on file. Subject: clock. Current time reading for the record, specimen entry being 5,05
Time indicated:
11,38
